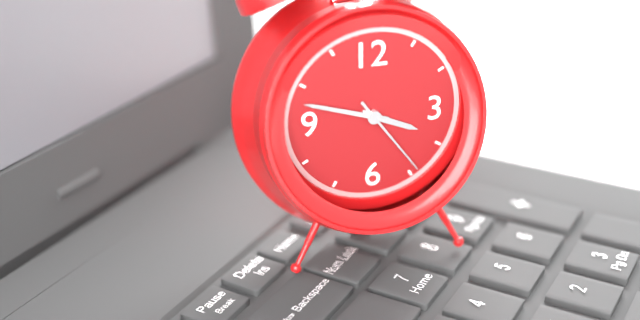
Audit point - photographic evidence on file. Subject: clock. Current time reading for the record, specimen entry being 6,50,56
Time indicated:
3,48,24
